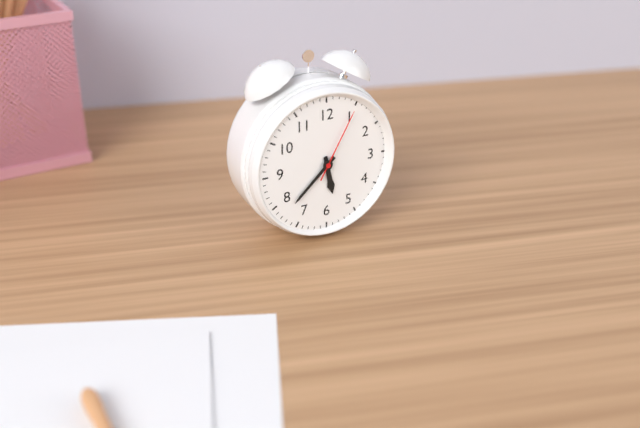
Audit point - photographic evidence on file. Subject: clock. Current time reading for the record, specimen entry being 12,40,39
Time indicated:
5,38,05
